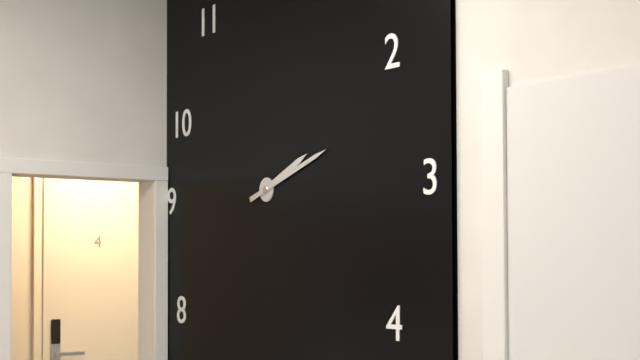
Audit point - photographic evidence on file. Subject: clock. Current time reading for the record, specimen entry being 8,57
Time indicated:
2,12
